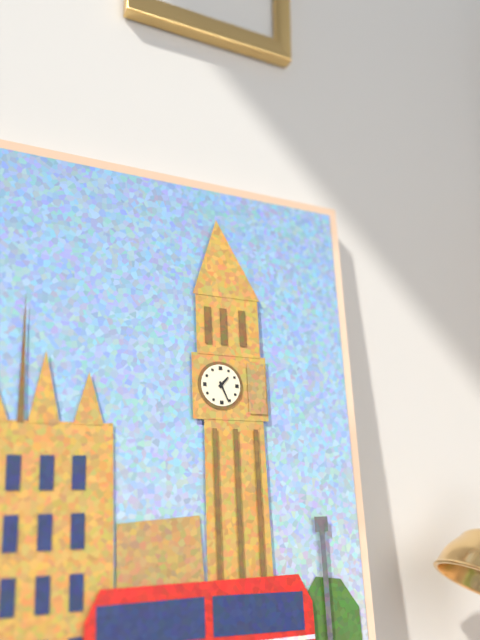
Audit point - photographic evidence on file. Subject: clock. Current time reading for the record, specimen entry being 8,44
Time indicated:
1,26
